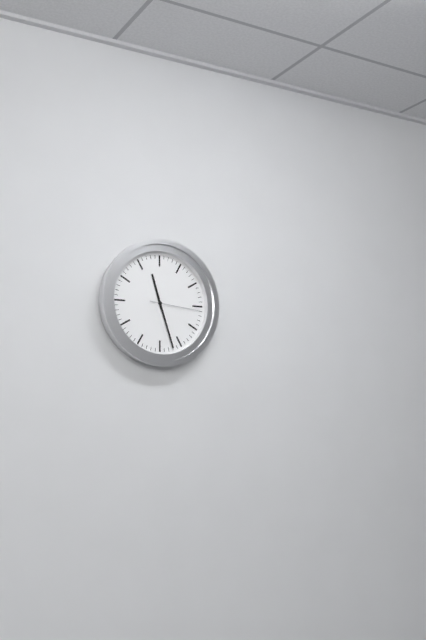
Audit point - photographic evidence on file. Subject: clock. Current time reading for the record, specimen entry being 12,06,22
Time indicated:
11,27,16
